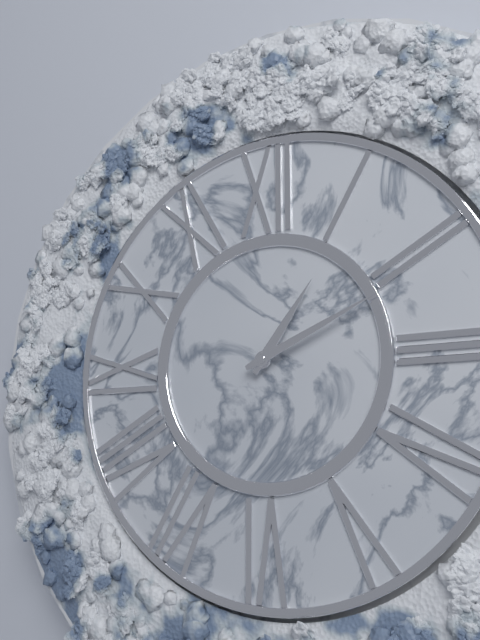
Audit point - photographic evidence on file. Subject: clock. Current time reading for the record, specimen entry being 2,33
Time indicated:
1,11
